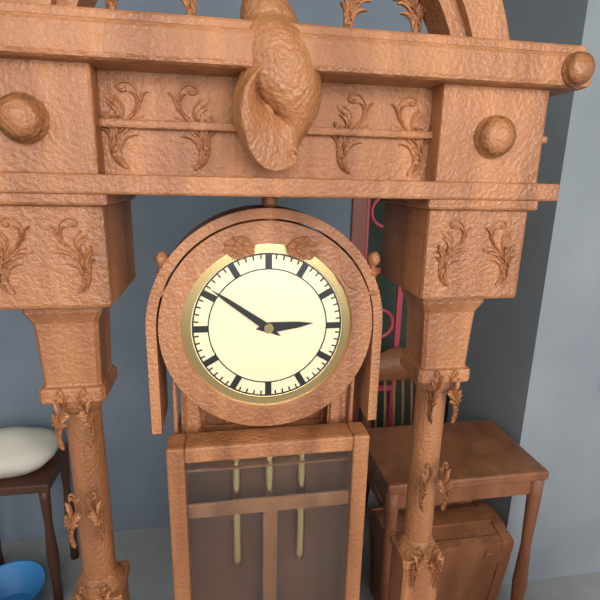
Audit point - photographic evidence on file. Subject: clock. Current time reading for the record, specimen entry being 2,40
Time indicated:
2,51
